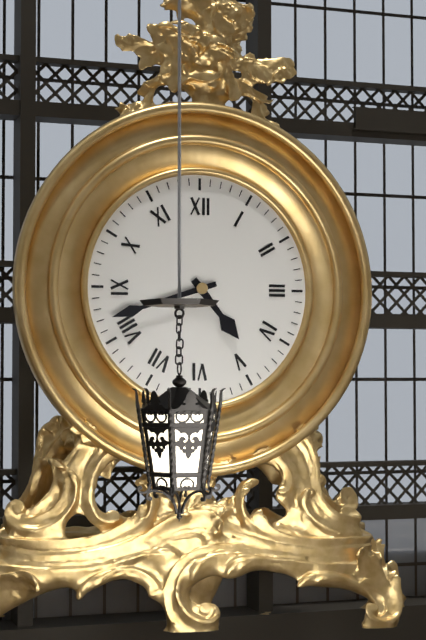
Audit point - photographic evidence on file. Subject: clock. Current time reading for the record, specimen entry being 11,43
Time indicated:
4,42
